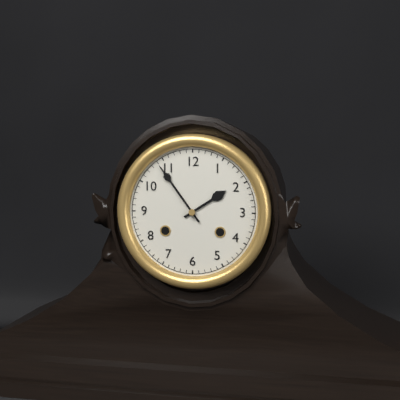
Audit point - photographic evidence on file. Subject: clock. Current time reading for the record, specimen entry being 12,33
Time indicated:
1,54
